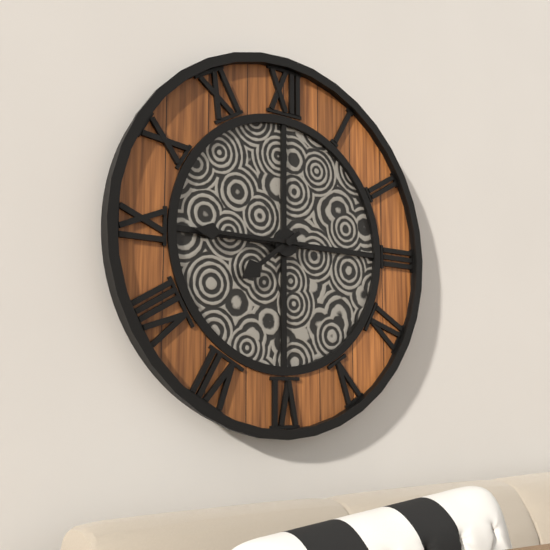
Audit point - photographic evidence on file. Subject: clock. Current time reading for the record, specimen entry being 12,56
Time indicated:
7,45
